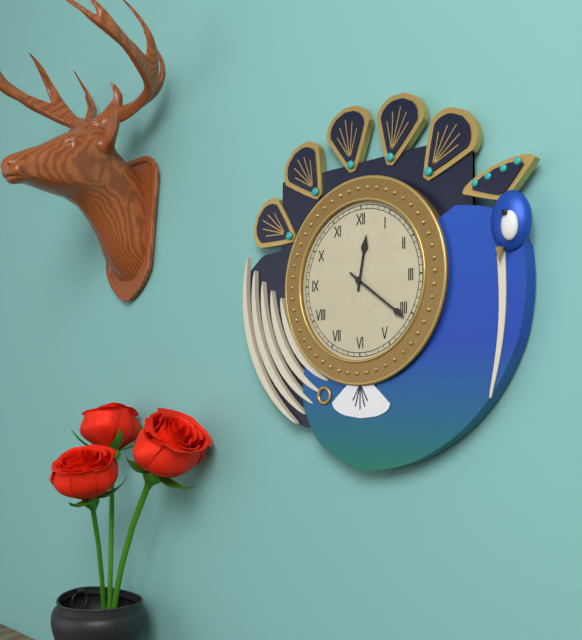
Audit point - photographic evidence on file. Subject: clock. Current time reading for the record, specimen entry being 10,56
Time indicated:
12,21
